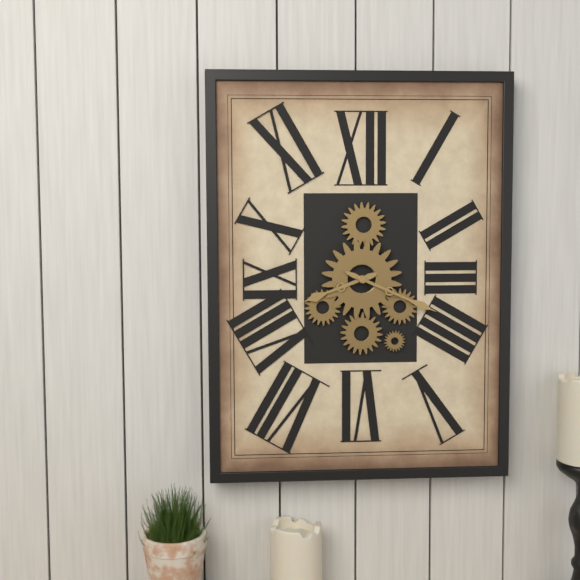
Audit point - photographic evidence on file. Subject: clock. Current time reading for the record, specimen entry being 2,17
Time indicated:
8,19
